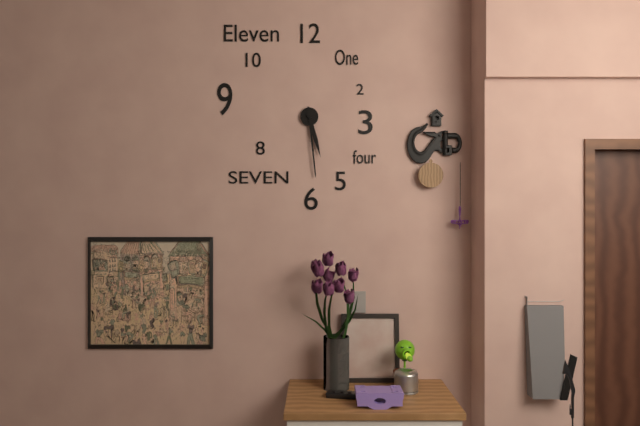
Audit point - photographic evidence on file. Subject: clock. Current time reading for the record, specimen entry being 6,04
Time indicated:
5,29
